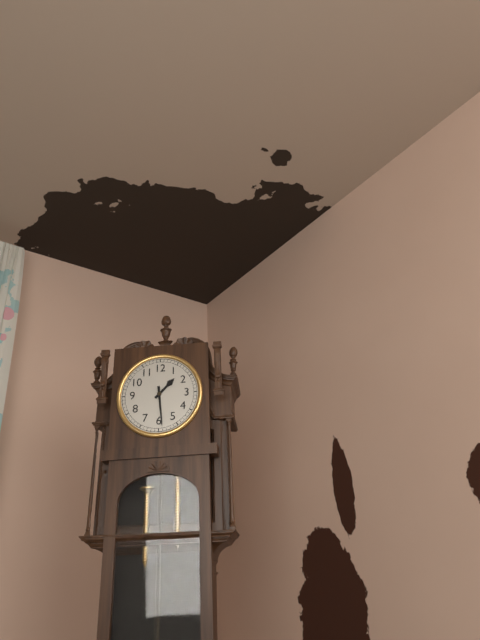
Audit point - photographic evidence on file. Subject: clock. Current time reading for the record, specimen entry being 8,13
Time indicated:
1,29
